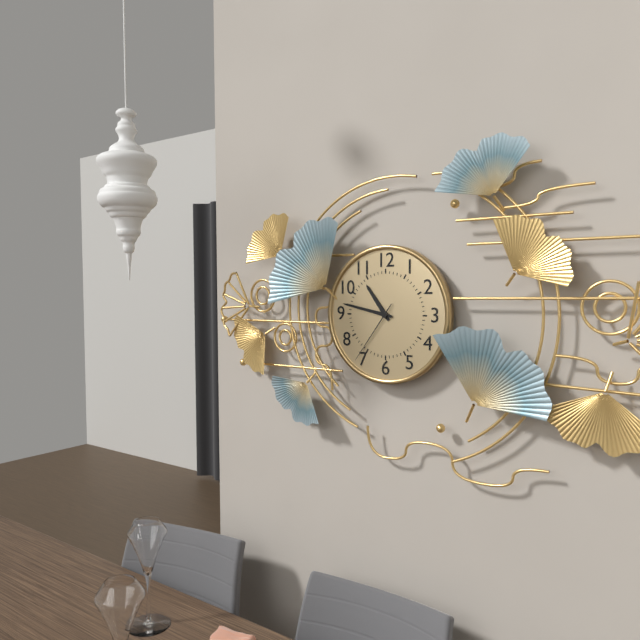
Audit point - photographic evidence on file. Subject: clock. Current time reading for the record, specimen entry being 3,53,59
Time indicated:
10,47,36
